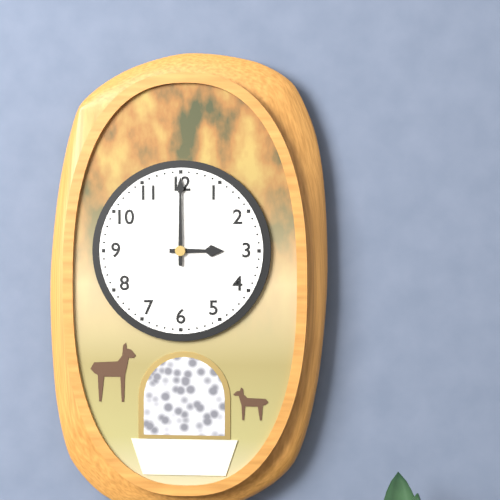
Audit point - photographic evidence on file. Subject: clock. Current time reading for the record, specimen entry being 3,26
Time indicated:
3,00
